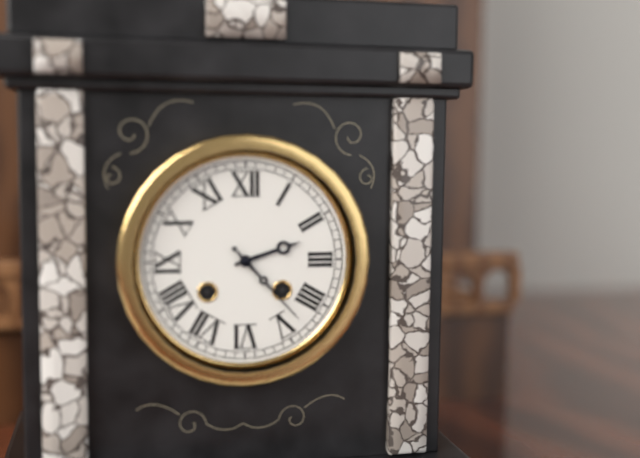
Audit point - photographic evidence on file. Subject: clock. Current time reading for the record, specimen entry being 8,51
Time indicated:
2,23
